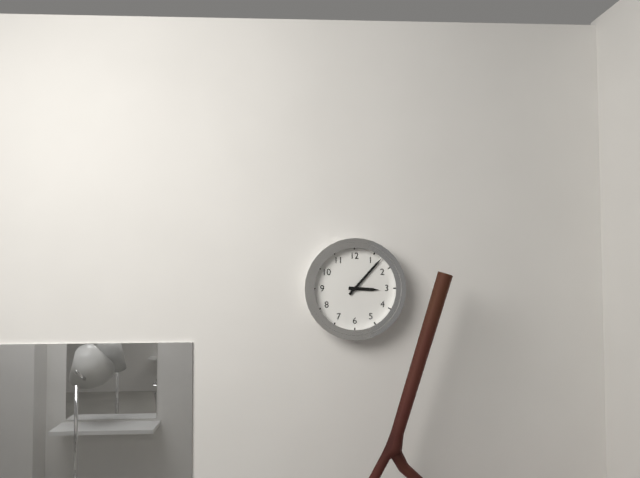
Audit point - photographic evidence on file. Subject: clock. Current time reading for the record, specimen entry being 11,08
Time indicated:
3,07
